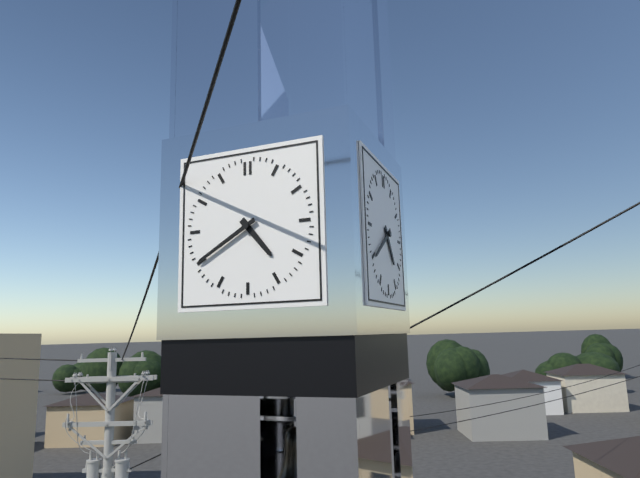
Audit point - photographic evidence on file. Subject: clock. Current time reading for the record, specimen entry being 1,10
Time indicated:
4,40
